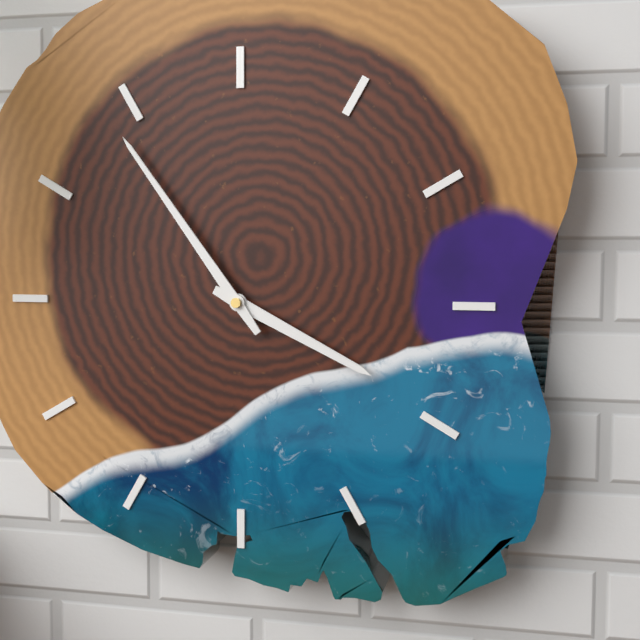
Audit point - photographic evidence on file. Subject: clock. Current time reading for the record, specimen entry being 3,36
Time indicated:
3,54
